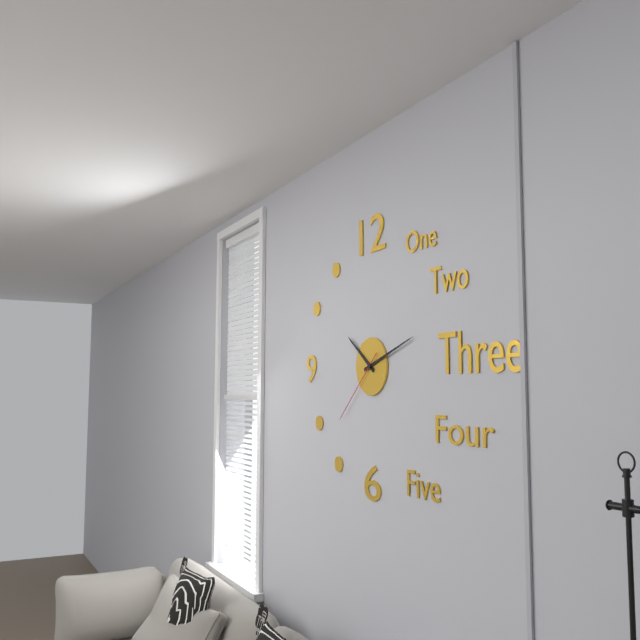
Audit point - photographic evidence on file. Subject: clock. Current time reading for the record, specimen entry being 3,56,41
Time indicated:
10,12,38
